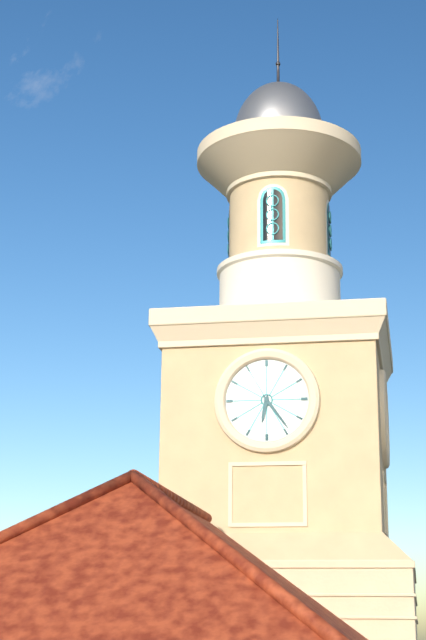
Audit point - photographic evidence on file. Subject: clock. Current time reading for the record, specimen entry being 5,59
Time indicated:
6,24
